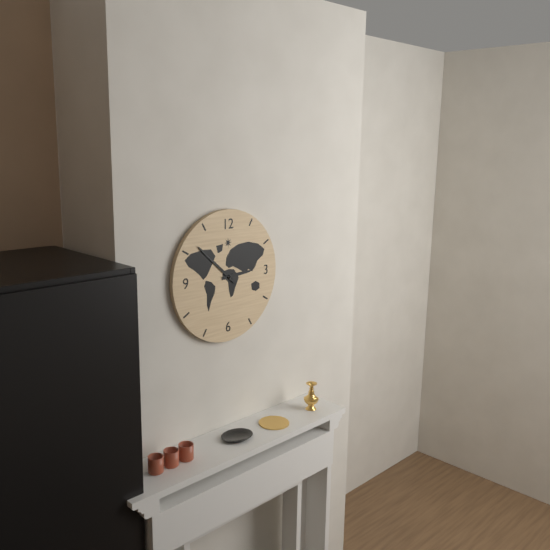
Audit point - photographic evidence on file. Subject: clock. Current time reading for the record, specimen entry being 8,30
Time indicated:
2,52
